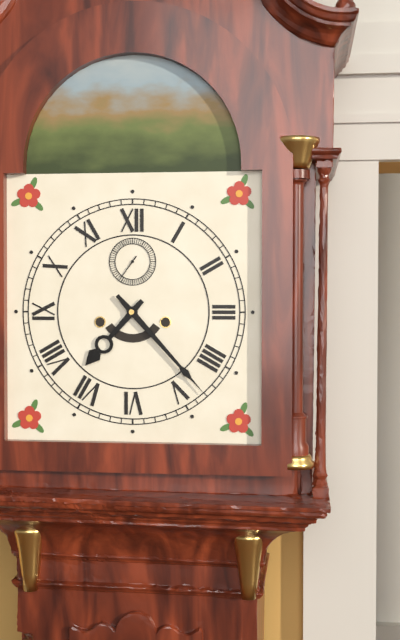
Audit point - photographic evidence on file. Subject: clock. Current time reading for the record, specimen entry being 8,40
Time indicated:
7,23
